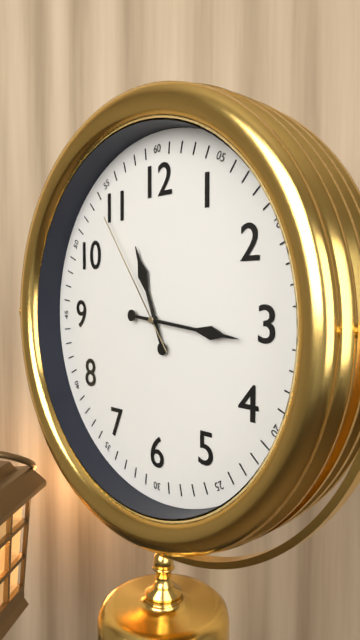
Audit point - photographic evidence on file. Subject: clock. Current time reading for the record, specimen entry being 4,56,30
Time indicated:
11,16,54
